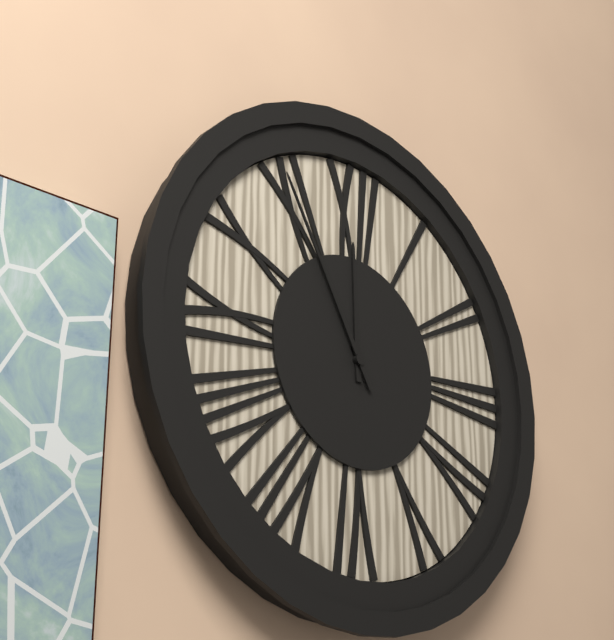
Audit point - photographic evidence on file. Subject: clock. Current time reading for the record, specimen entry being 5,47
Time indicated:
11,55
